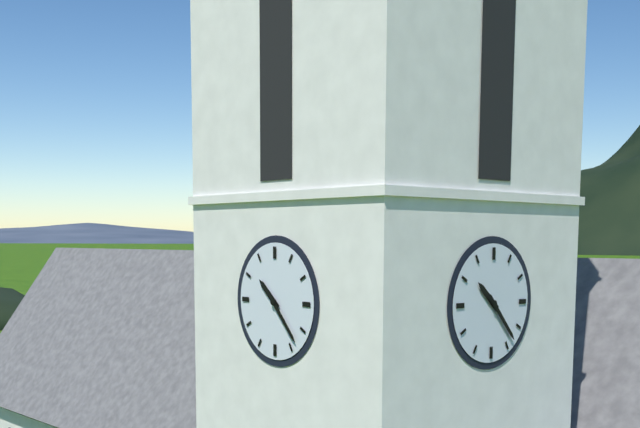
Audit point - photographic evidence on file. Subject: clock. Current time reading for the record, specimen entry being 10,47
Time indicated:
10,23
